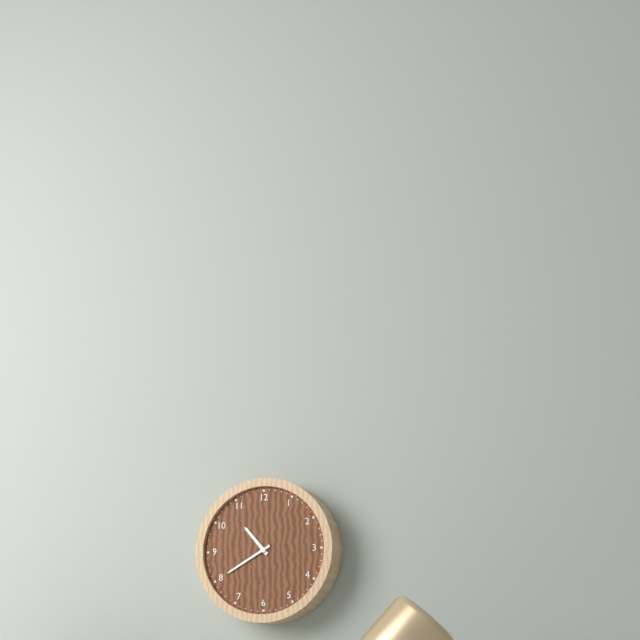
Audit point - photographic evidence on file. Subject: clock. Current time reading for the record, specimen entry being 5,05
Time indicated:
10,40
